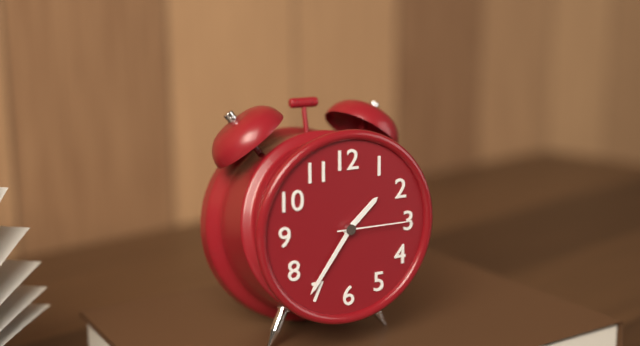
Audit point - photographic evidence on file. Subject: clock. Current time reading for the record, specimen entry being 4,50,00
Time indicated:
1,36,15
